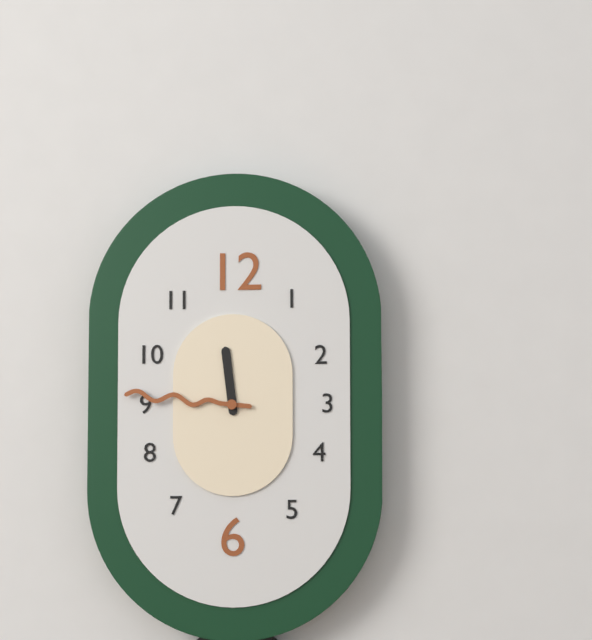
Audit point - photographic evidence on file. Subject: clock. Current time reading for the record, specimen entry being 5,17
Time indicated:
11,46
